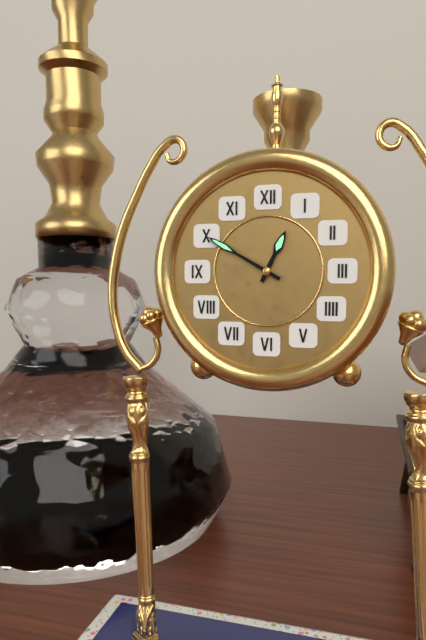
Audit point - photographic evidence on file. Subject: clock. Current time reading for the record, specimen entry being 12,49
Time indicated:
12,50
